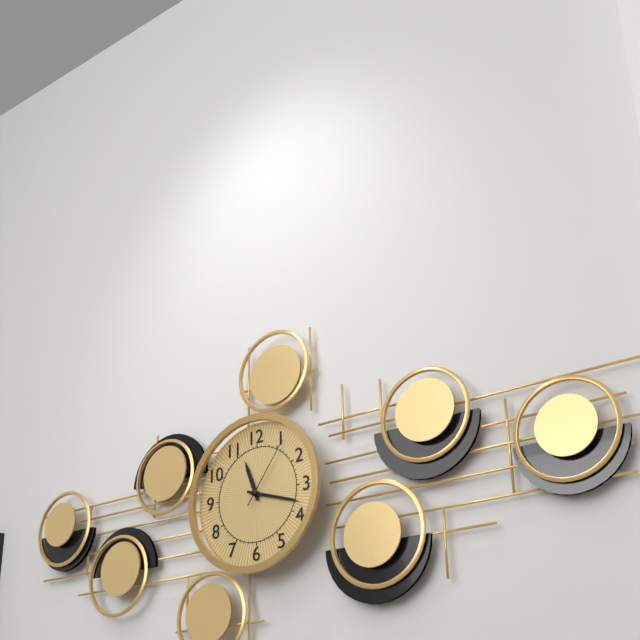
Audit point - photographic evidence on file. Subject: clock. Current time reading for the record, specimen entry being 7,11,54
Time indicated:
11,18,06
